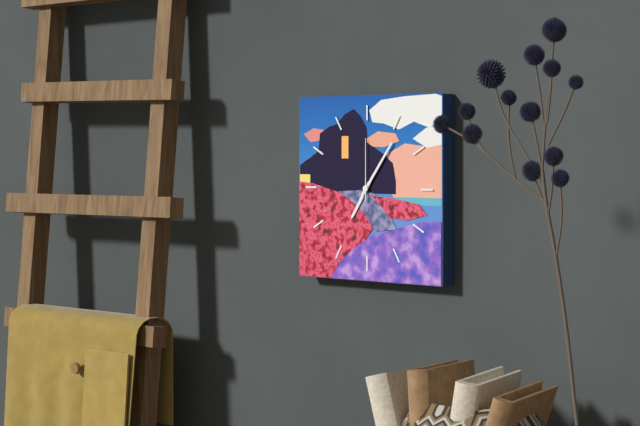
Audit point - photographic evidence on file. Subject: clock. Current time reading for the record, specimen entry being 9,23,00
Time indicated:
7,06,00
